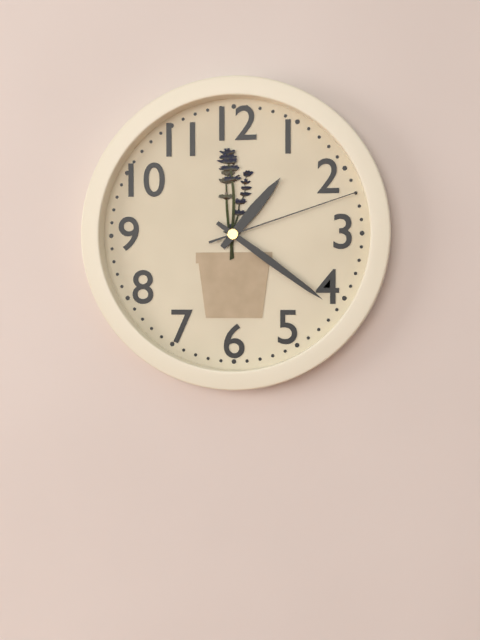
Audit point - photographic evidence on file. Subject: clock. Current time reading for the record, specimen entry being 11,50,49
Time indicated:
1,21,12
